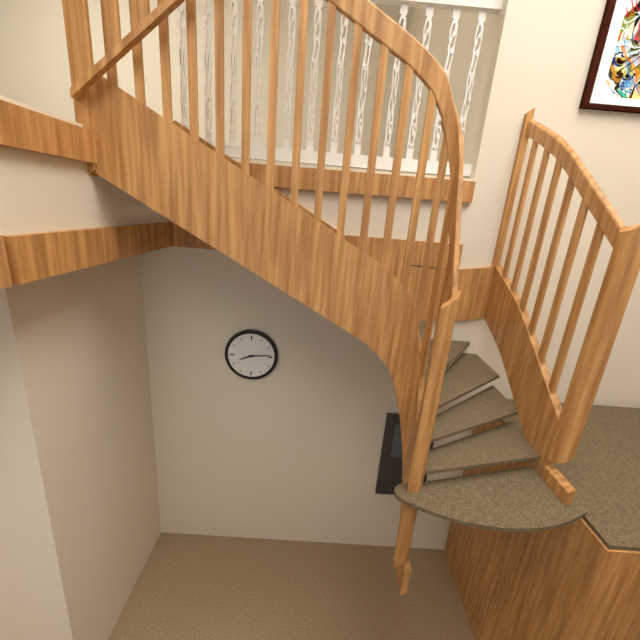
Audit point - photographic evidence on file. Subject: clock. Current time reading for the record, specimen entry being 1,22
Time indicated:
8,14
